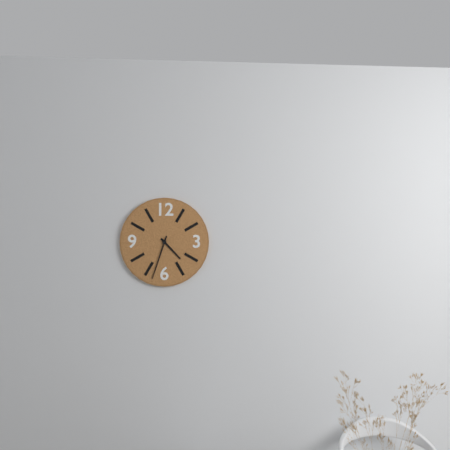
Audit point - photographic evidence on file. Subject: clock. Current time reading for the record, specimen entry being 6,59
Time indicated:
4,33
